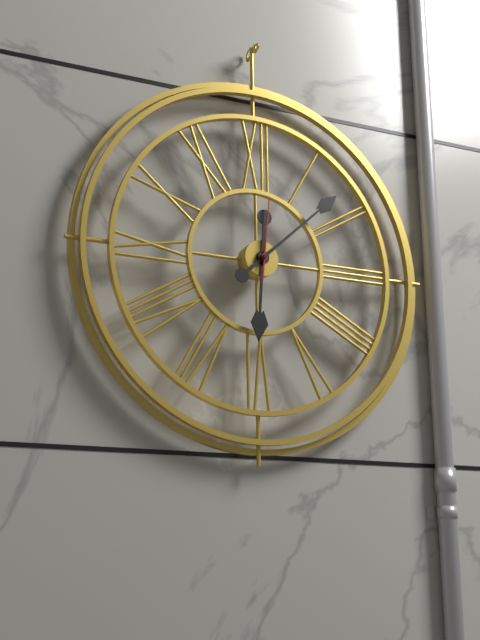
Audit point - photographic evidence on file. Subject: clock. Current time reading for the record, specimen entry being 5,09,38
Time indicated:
6,08,01
